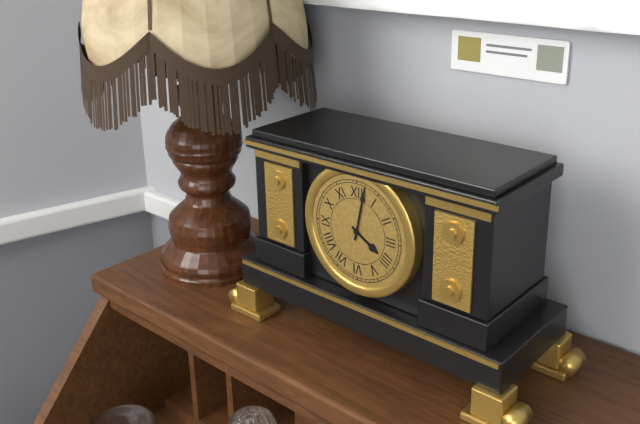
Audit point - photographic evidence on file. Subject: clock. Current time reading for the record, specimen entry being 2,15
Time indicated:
4,02
